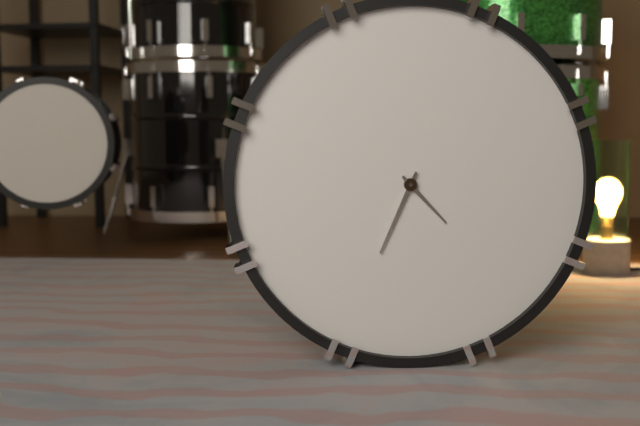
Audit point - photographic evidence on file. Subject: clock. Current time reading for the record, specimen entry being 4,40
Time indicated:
4,34
